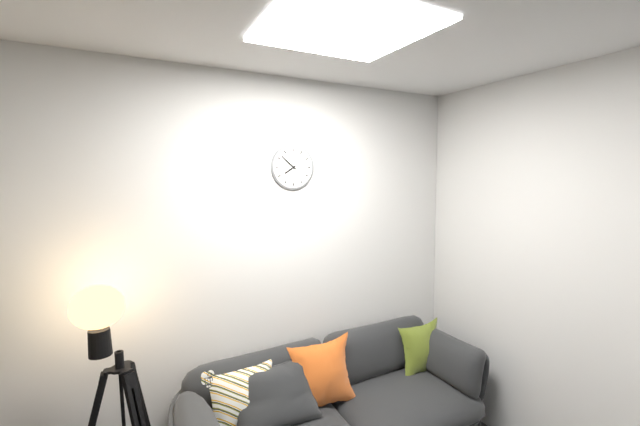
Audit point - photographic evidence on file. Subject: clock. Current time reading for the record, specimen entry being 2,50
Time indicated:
7,52
